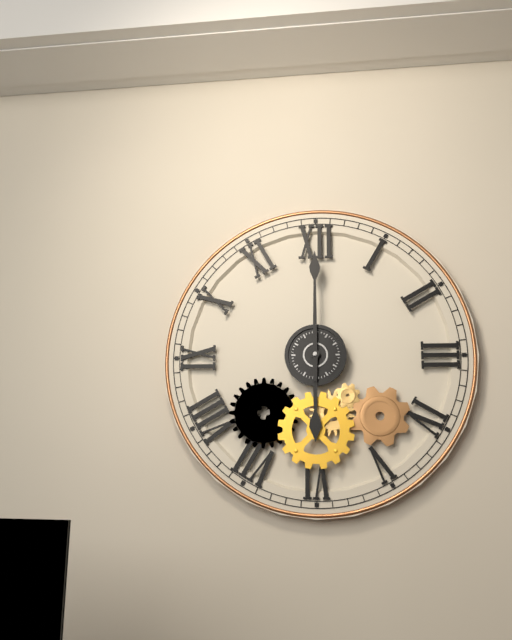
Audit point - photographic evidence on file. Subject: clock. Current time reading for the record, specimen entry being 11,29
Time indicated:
6,00
